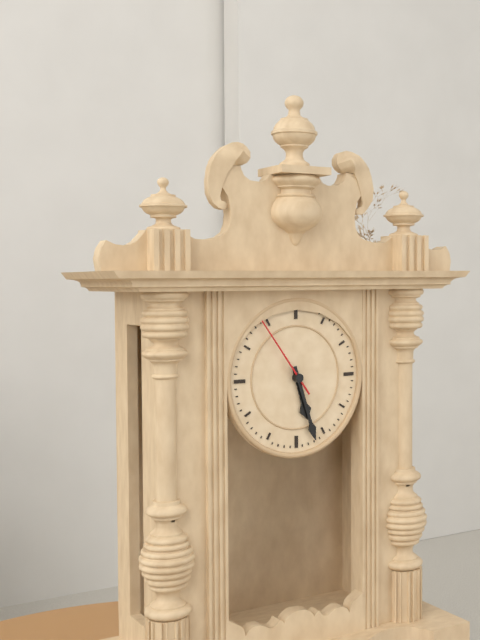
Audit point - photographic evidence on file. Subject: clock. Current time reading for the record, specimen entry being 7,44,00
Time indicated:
5,27,54
